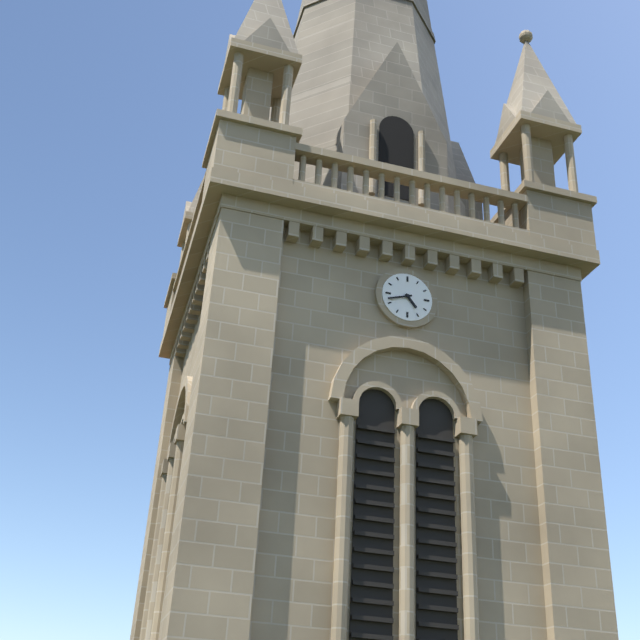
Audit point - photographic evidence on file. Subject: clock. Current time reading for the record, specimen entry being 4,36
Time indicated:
4,42
